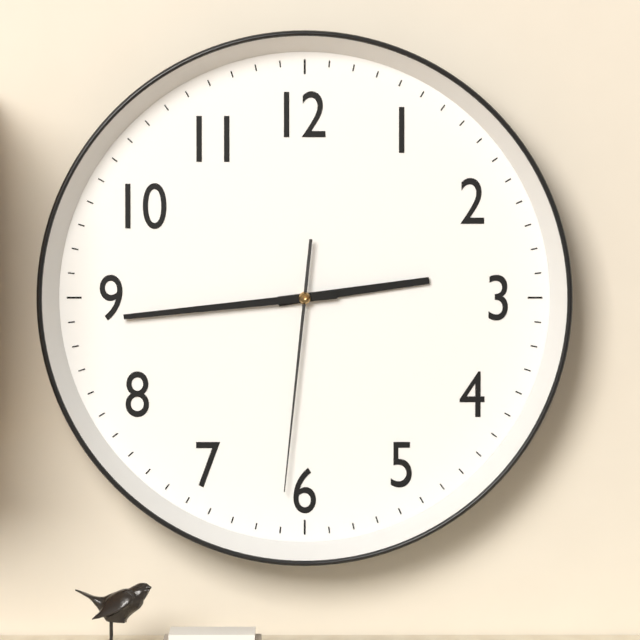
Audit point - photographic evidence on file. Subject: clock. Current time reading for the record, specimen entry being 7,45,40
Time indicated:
2,44,31
